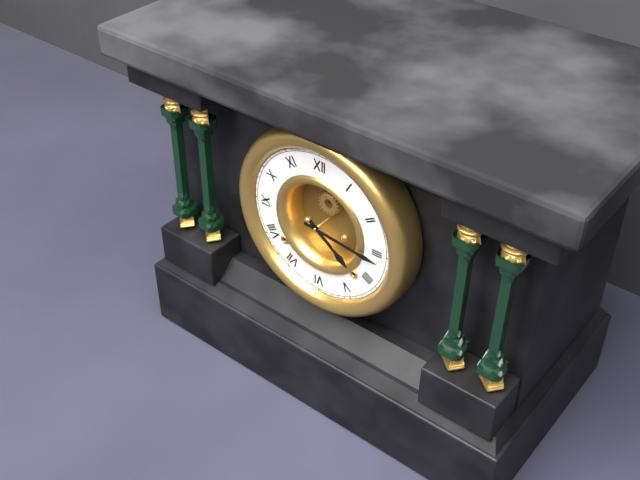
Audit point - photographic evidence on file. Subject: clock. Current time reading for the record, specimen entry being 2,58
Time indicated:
4,16
